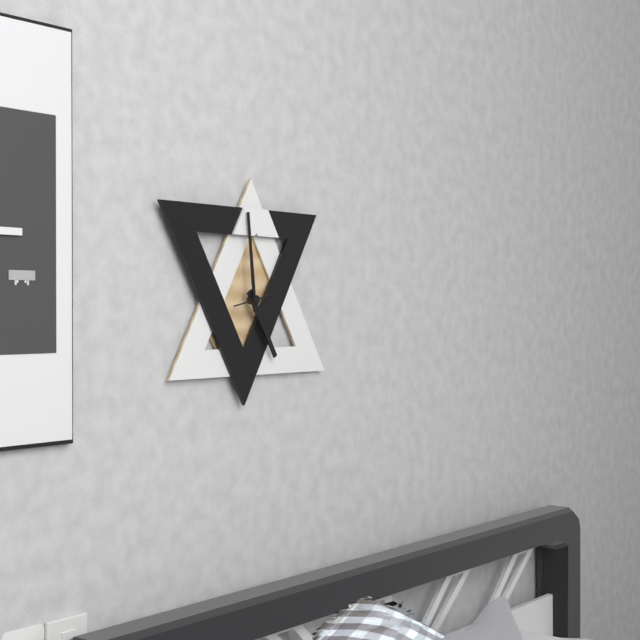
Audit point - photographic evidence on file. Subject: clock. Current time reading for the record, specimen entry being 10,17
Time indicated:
4,59
